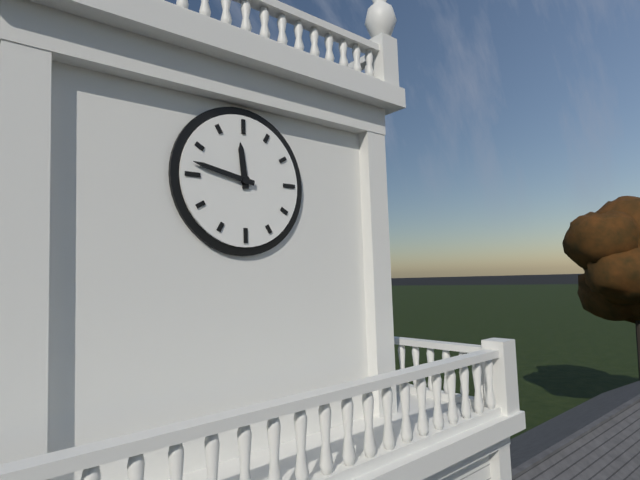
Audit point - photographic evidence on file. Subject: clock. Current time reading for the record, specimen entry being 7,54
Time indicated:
11,47
